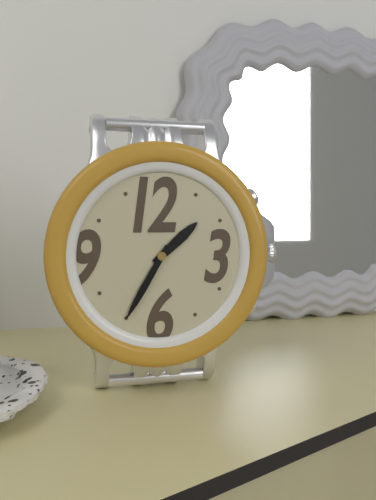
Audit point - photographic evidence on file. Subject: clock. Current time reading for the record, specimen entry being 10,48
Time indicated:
1,35
